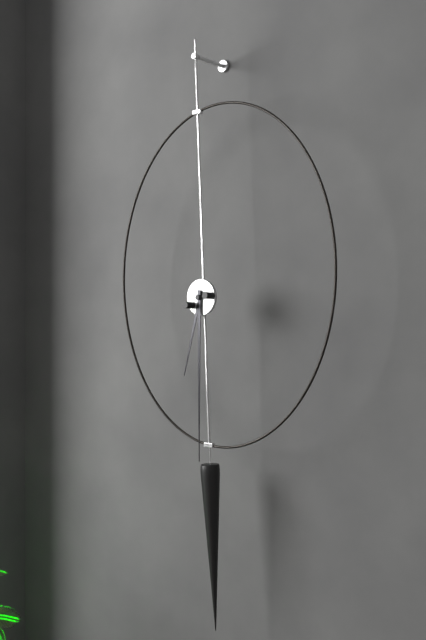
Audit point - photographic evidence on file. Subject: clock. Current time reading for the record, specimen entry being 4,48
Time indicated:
6,30
